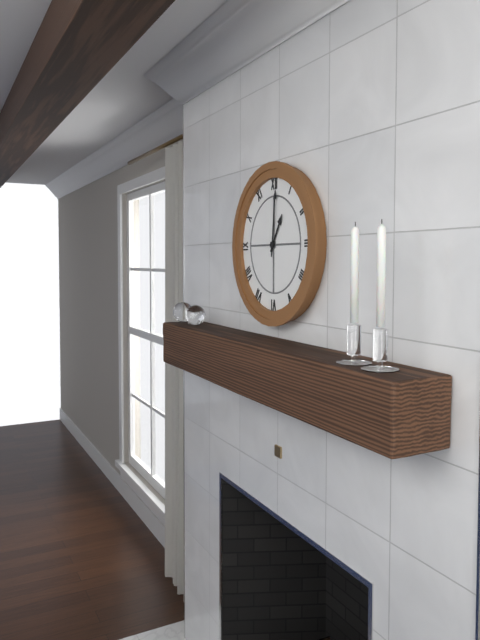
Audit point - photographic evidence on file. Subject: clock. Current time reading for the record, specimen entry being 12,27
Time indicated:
1,01
